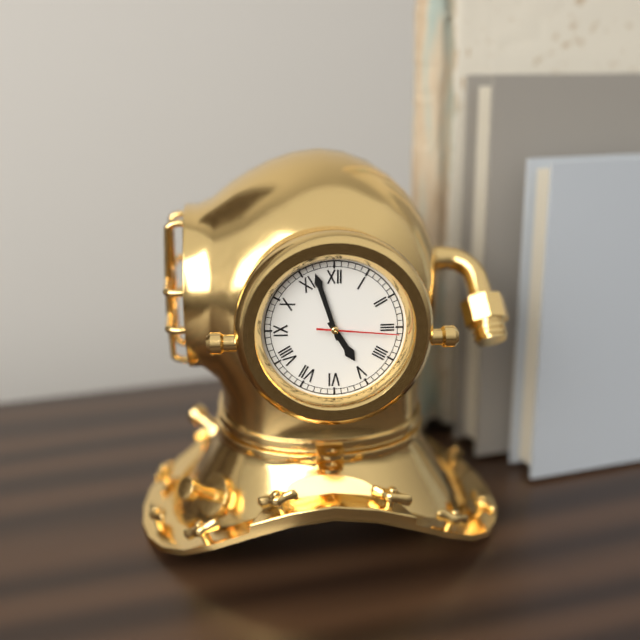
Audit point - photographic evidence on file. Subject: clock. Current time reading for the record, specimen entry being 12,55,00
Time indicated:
4,57,16
